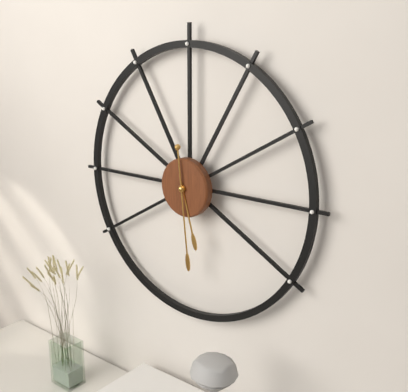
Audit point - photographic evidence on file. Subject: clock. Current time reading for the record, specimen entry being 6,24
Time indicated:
5,29
